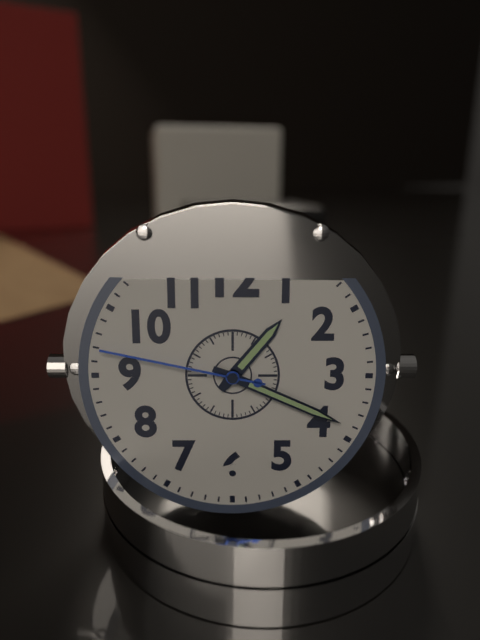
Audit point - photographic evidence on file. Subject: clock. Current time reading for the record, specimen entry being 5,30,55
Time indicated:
1,19,47
